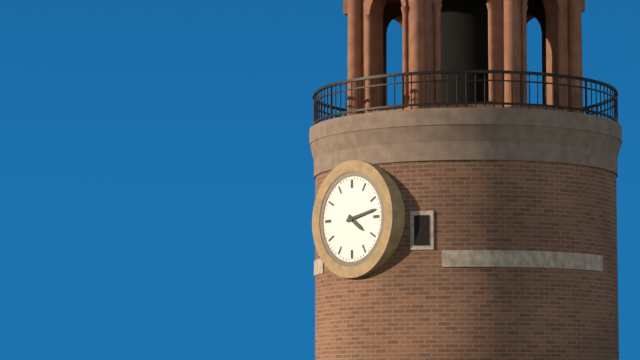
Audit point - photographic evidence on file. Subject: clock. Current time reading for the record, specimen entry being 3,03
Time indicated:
4,13
